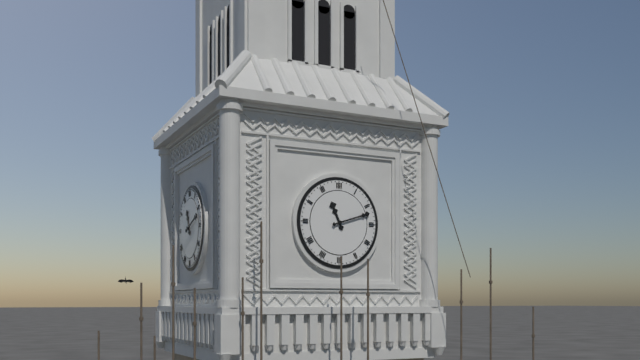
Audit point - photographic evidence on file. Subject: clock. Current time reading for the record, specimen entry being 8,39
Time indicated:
11,12
